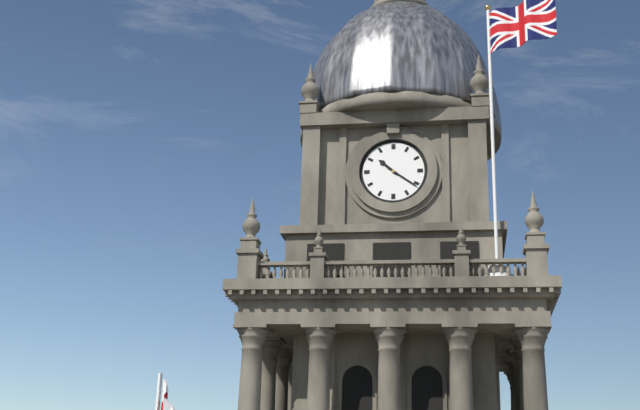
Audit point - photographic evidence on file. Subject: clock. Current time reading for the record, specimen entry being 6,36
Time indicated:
10,21
